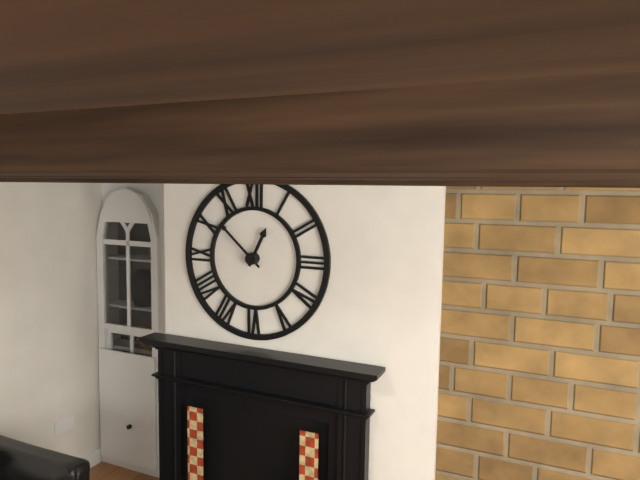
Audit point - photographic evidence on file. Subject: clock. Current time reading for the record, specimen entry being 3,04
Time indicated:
12,52
